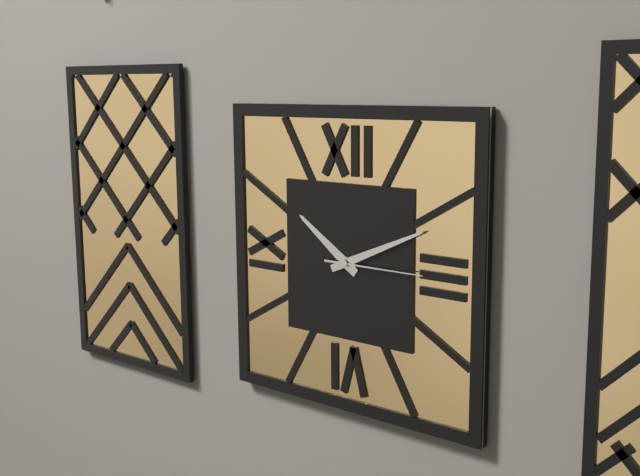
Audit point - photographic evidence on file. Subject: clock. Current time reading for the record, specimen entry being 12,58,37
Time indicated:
10,11,15
